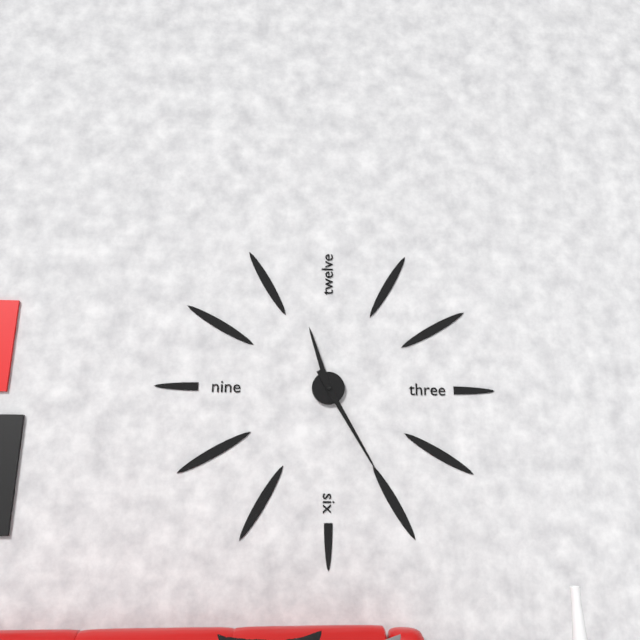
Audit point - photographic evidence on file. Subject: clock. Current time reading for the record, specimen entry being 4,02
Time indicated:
11,25
